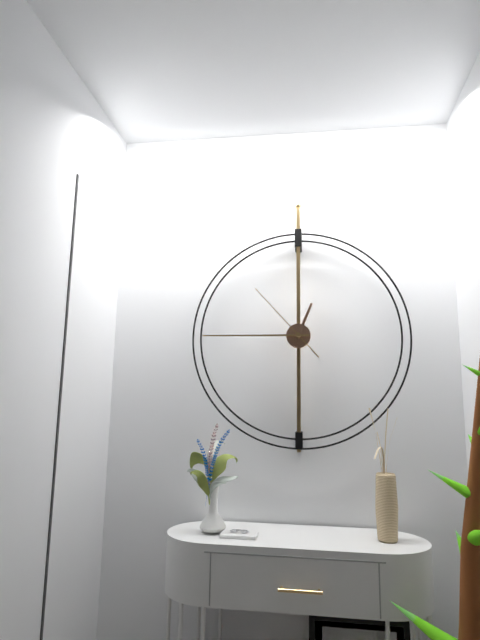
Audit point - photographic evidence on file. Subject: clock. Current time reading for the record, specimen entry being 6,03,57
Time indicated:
12,45,53
